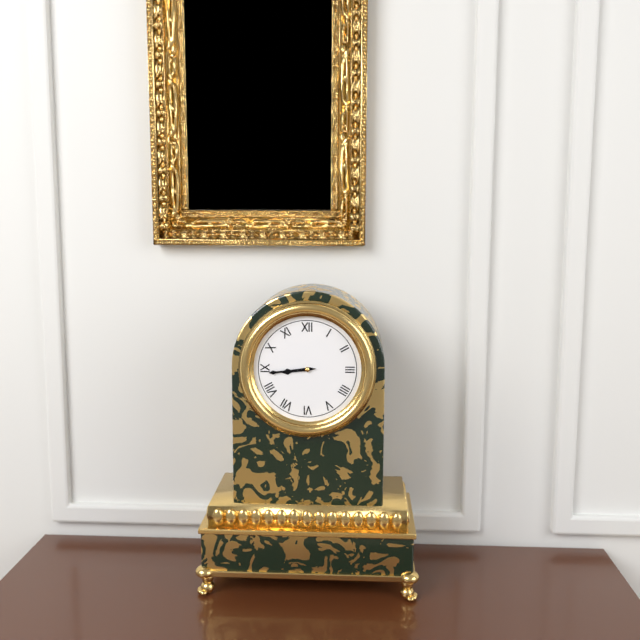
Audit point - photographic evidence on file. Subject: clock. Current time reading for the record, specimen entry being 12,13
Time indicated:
8,44
